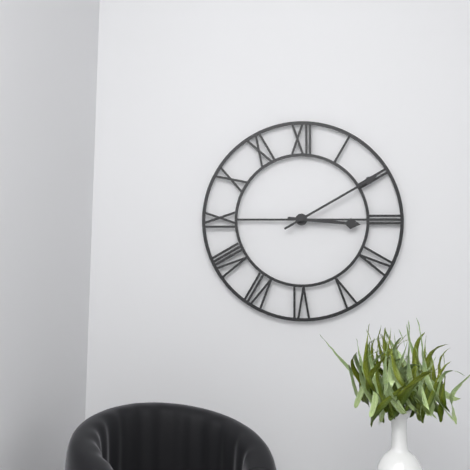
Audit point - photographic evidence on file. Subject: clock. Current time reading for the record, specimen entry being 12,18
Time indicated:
3,10
